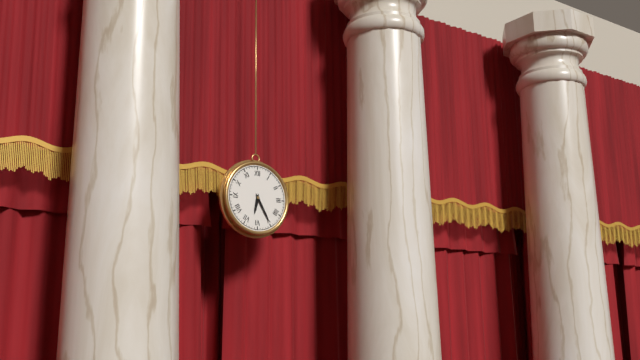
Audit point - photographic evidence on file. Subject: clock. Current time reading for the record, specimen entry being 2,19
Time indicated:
6,25
